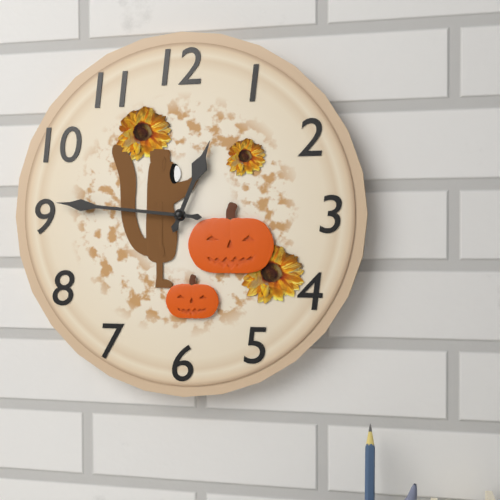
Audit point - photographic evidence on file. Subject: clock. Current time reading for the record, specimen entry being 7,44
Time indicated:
12,46
